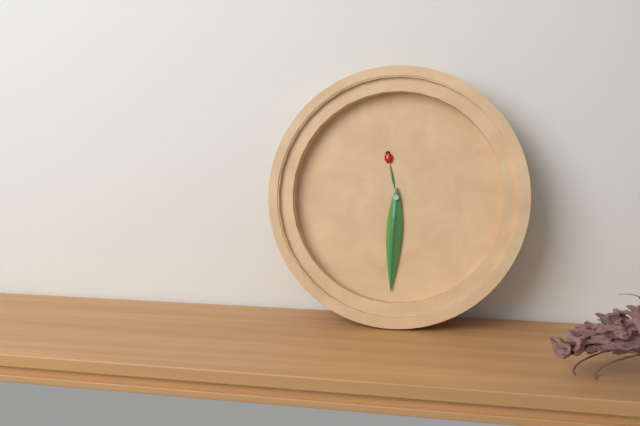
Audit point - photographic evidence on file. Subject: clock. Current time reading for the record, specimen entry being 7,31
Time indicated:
11,30
